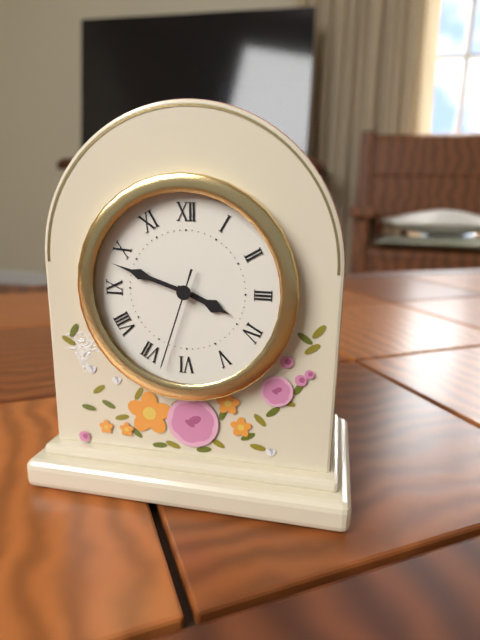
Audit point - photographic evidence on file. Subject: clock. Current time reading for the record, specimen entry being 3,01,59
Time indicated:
3,48,33
